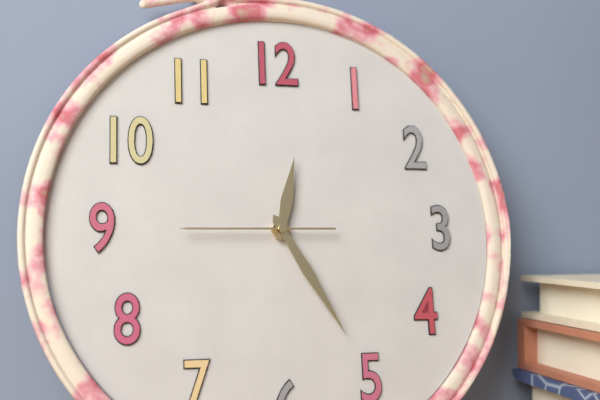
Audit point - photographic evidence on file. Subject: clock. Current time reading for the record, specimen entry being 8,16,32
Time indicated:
12,25,45
